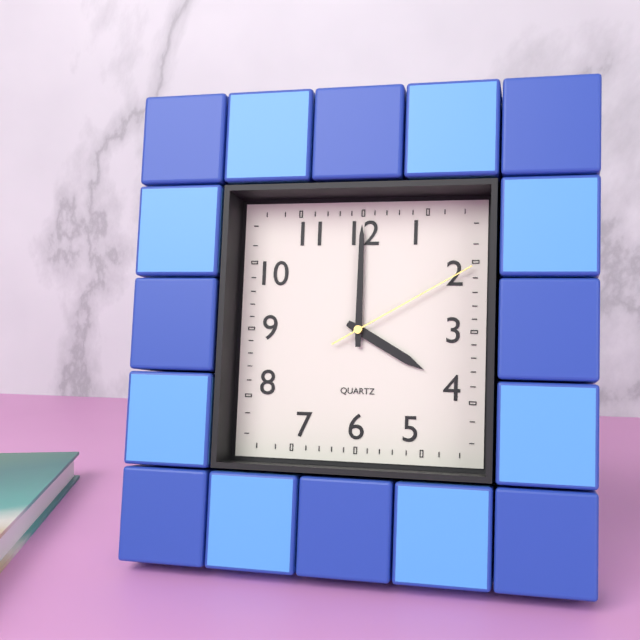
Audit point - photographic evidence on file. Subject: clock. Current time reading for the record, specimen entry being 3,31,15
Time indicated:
4,00,10
